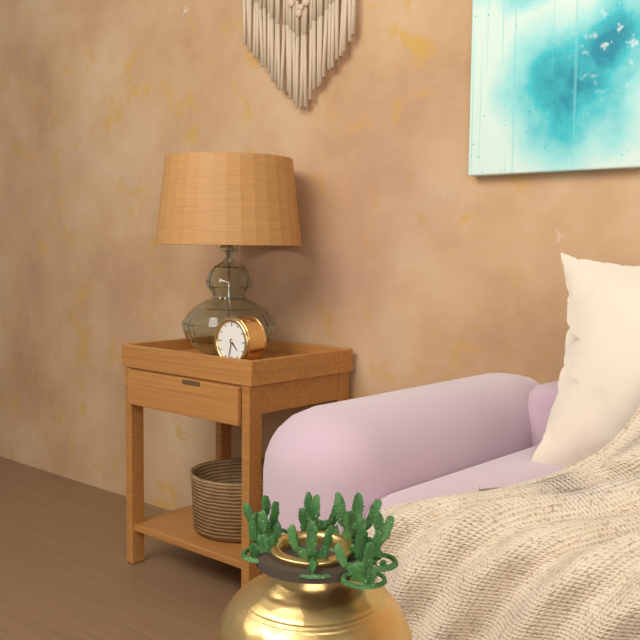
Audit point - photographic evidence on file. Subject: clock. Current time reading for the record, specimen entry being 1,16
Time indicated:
4,32
